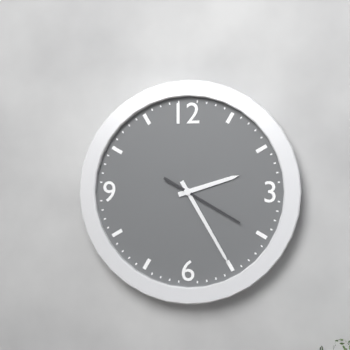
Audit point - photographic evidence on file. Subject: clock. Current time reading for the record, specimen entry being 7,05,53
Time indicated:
2,25,20
